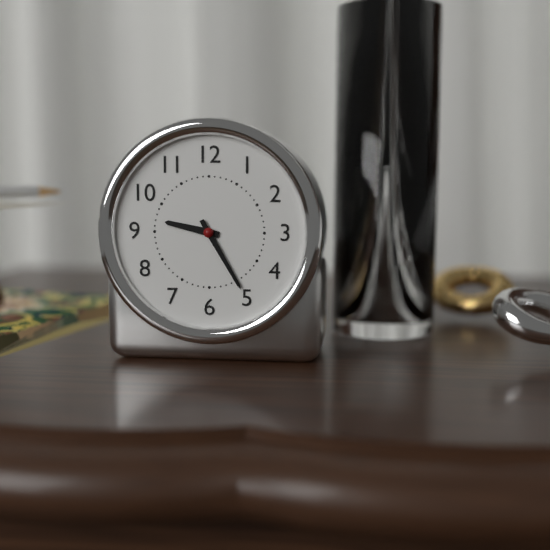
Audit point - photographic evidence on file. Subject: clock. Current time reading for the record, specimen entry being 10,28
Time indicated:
9,25
